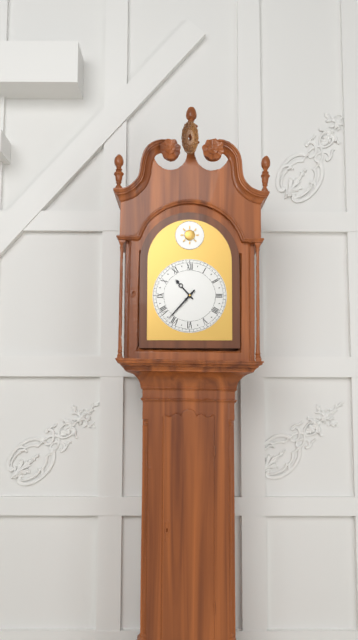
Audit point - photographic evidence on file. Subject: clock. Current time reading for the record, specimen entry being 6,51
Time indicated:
10,37
